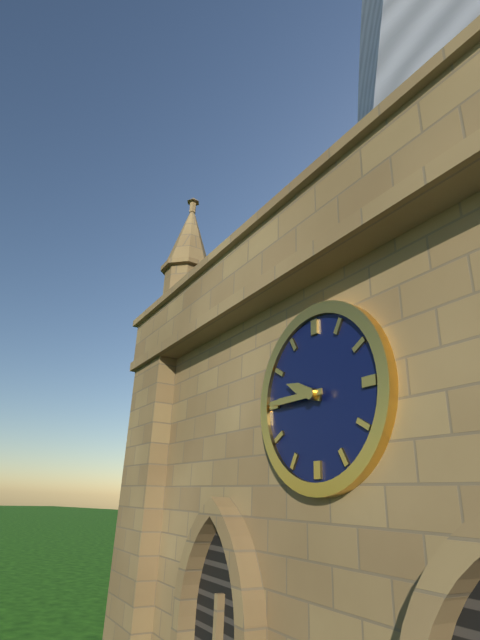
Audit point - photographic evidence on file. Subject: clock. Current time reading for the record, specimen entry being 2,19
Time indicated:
9,45
